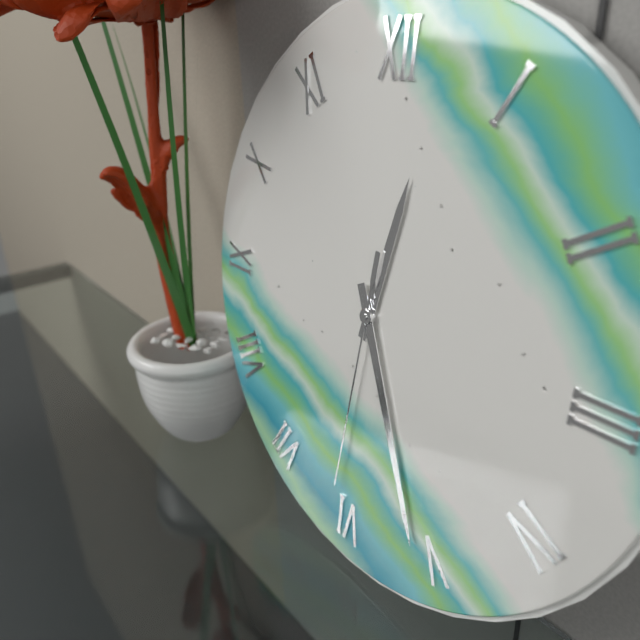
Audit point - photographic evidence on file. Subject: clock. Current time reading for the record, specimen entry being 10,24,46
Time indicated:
12,26,31
